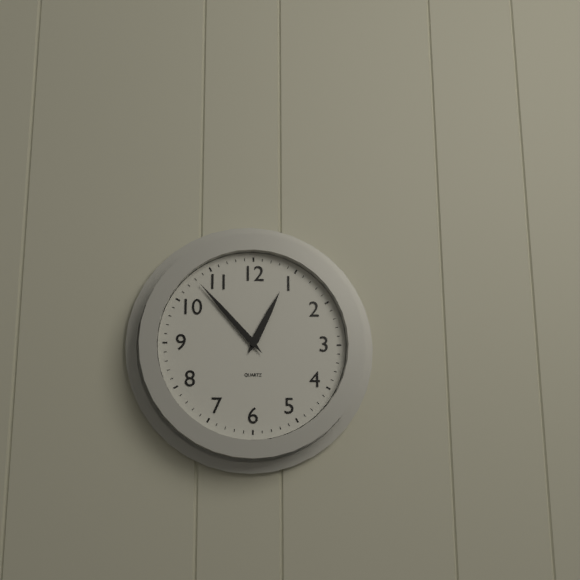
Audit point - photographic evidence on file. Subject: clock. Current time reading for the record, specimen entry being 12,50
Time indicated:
12,53
